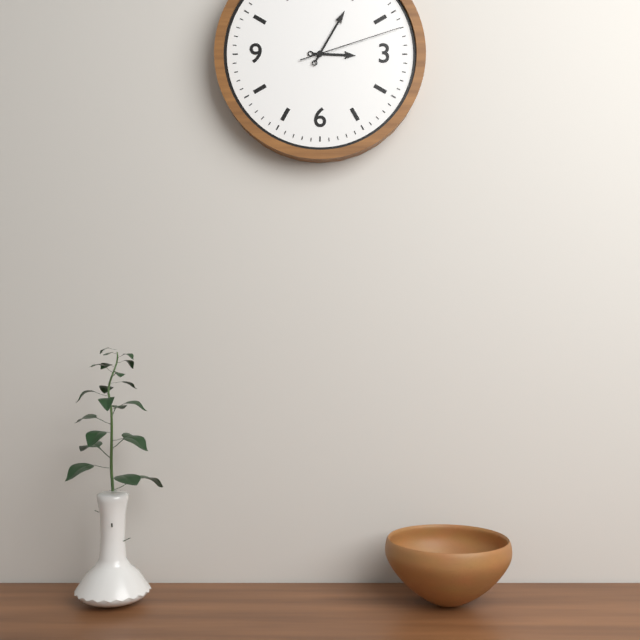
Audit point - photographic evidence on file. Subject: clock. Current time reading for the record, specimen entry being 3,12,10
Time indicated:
3,05,12
